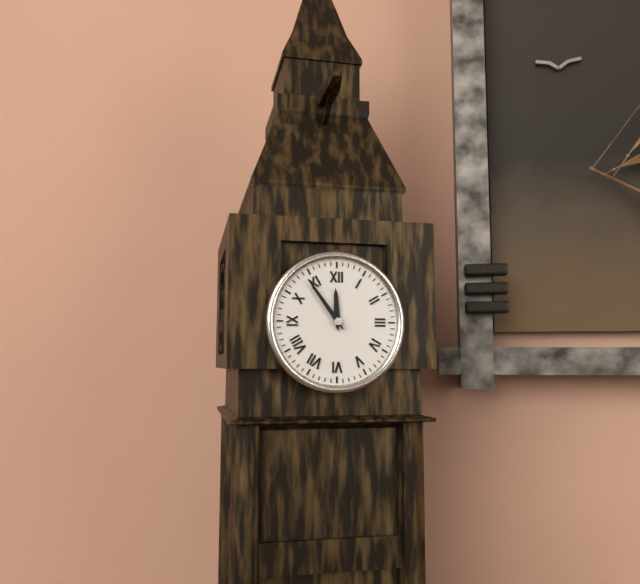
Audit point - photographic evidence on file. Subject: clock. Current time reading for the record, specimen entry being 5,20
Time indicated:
11,54
